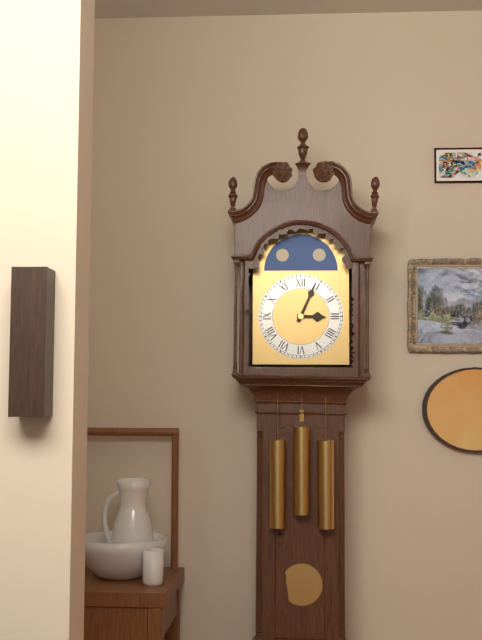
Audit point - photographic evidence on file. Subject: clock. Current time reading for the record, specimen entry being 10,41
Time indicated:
3,04
